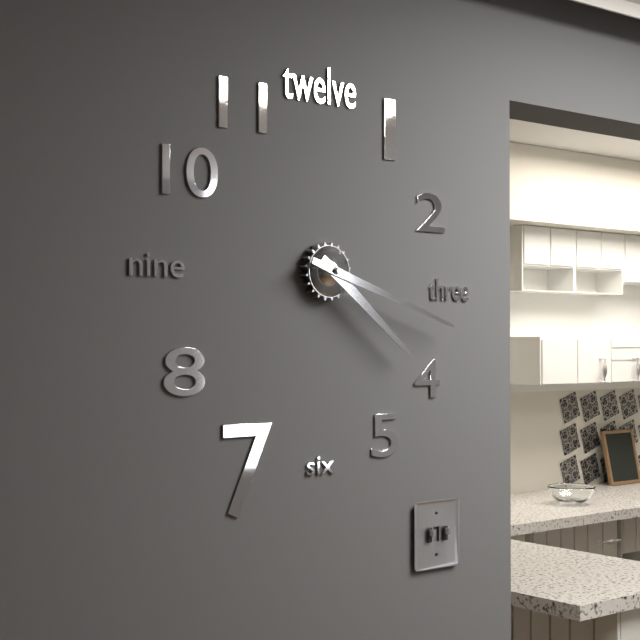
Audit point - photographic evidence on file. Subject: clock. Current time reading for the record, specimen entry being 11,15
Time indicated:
4,18
